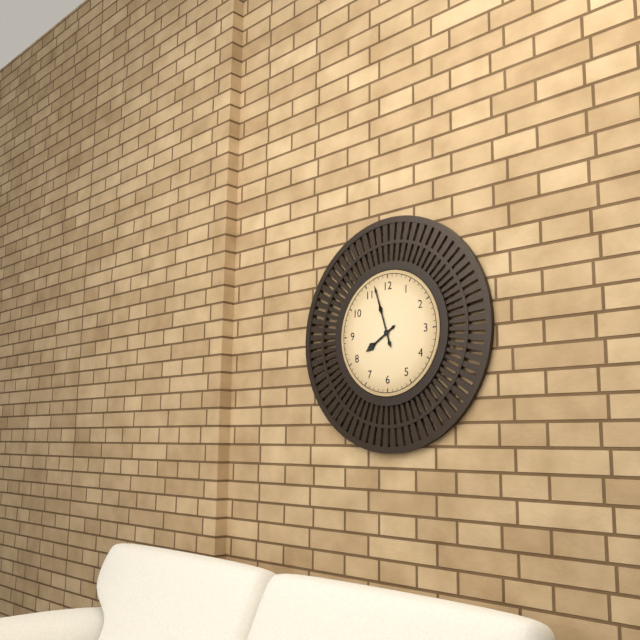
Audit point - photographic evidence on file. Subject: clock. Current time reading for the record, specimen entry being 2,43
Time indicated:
7,57
